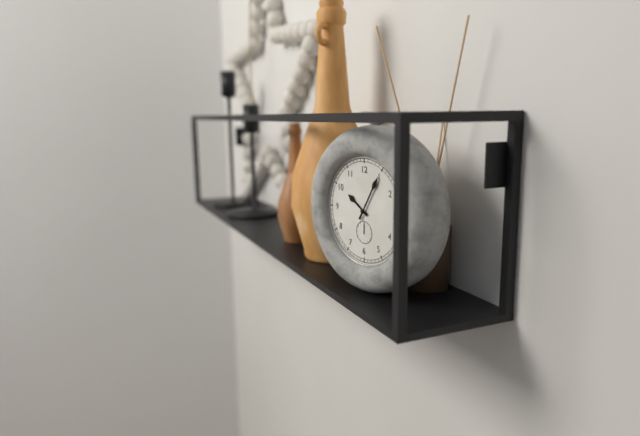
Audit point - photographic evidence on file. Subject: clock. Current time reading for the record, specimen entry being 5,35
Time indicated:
10,05
